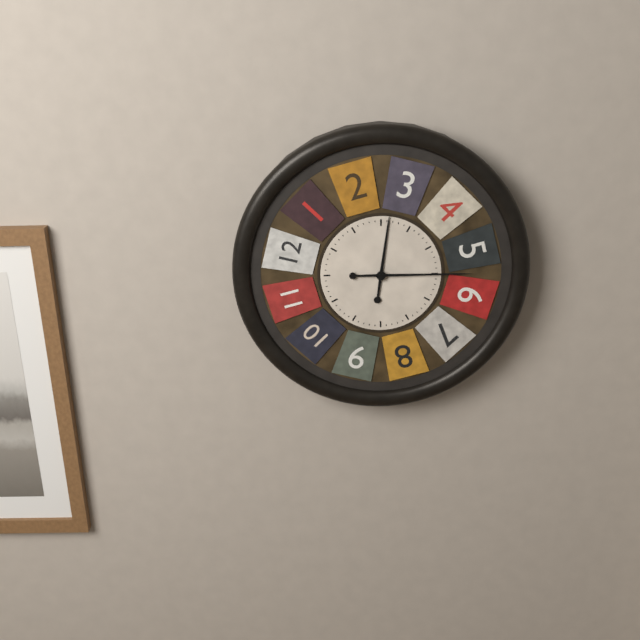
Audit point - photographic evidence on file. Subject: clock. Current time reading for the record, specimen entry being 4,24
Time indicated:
12,15
